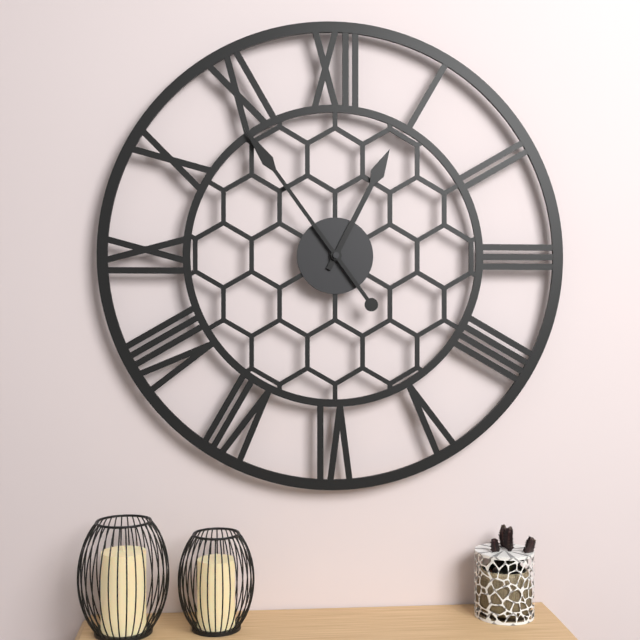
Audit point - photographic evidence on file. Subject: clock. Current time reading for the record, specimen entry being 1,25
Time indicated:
12,54
